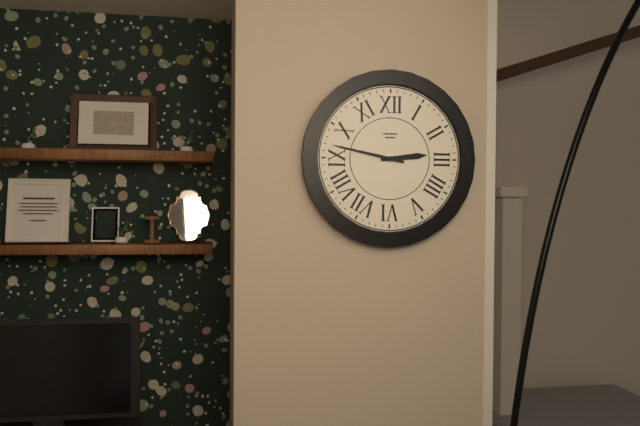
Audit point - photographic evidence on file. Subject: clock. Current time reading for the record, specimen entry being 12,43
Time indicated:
2,47
